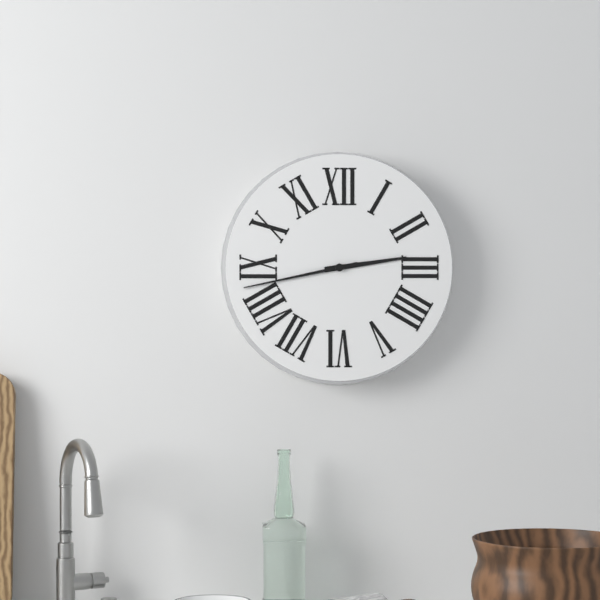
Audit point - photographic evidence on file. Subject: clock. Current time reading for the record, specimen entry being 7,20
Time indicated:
2,43
